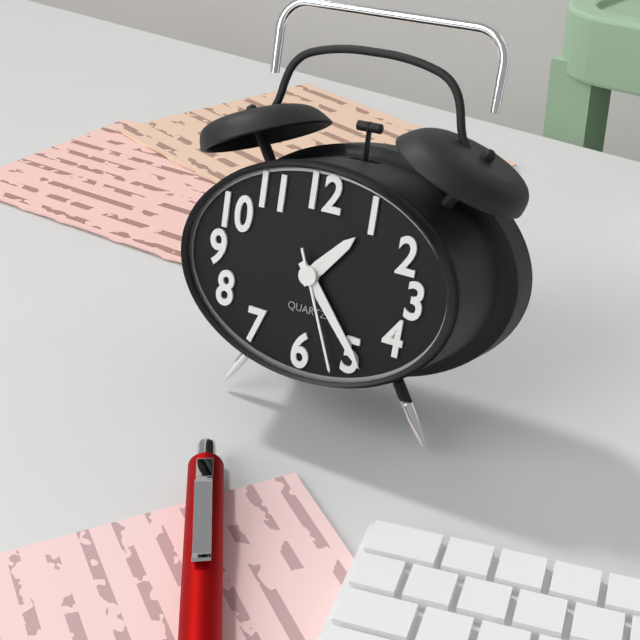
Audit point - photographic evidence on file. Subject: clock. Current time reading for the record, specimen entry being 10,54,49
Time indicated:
1,23,26
